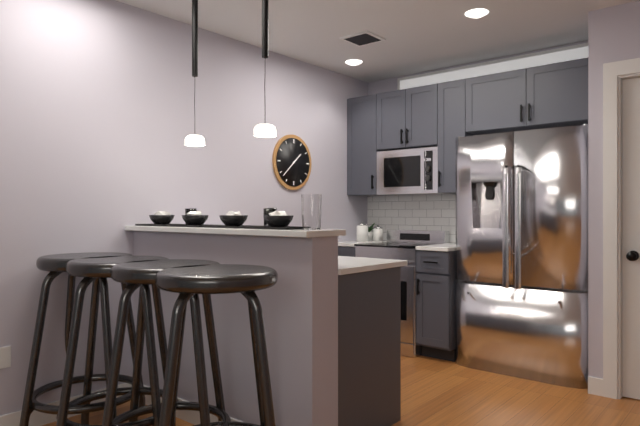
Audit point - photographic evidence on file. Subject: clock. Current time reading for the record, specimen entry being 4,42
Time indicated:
1,38
